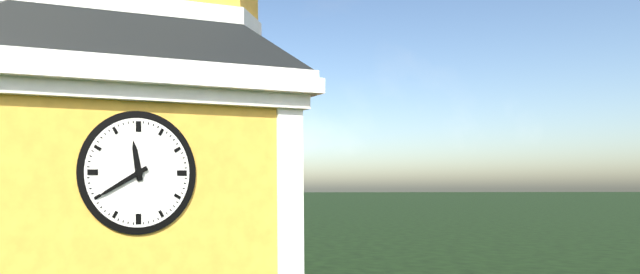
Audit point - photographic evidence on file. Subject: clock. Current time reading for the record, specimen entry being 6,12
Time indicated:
11,40
